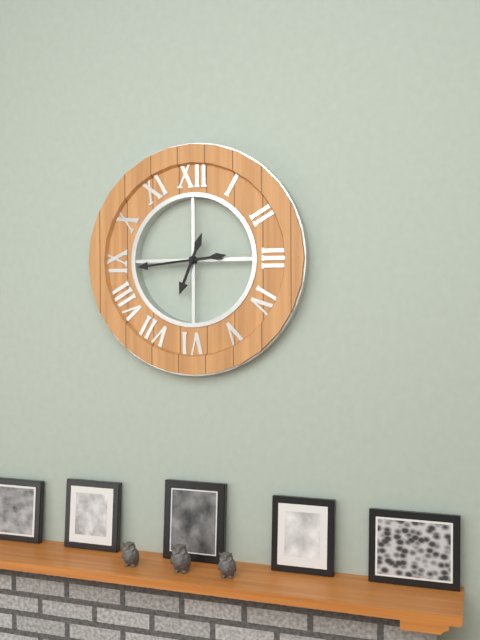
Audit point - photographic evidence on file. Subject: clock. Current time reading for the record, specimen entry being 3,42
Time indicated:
6,44
